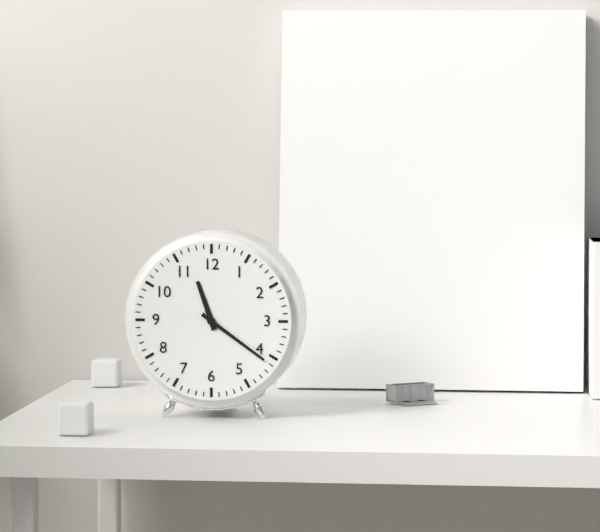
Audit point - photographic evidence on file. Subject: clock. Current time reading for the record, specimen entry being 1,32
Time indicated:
11,21
